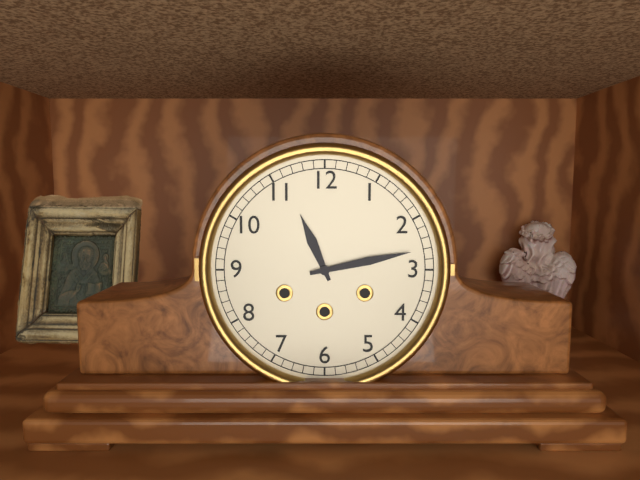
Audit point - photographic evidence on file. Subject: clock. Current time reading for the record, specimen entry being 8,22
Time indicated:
11,13
